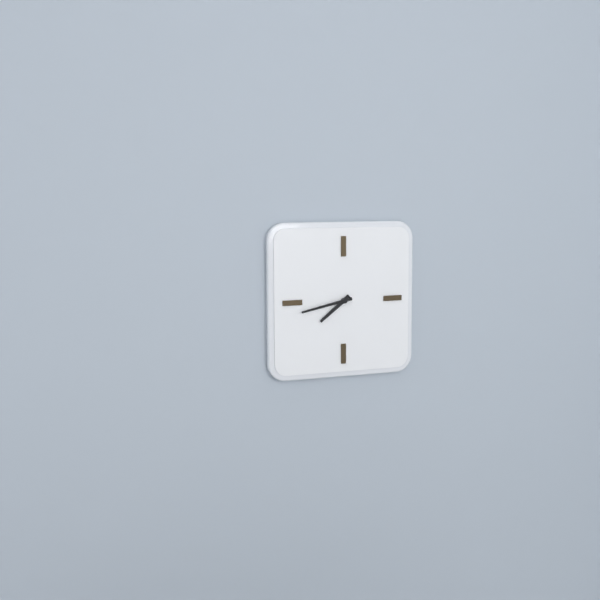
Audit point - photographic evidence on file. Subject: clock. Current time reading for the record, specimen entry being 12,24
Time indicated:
7,43
